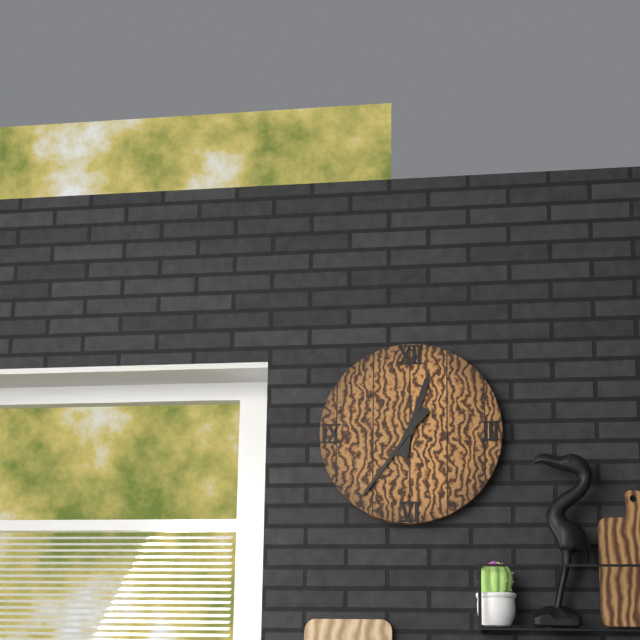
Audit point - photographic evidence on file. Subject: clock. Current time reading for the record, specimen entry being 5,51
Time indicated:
12,36
